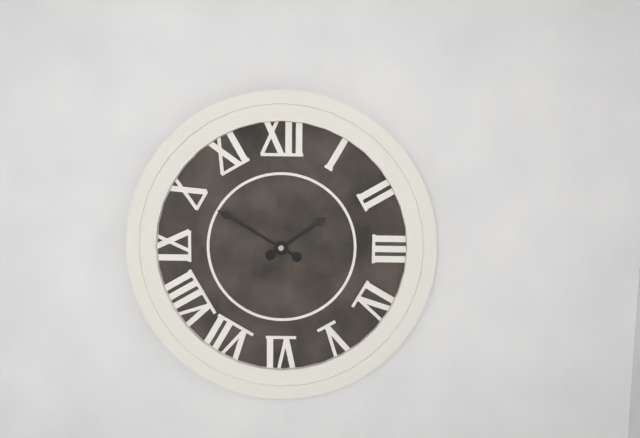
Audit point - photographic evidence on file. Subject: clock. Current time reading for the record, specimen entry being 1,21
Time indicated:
1,50
